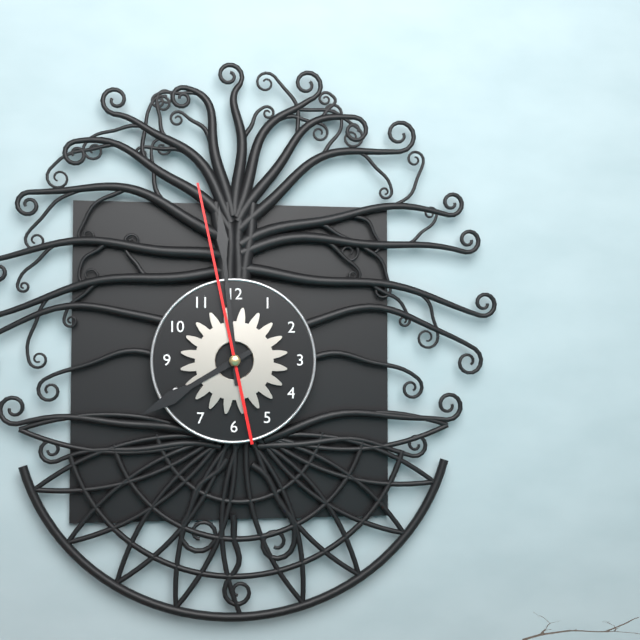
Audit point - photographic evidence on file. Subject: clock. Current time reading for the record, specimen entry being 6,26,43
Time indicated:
7,59,58
